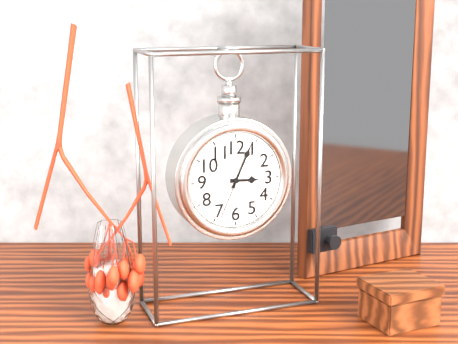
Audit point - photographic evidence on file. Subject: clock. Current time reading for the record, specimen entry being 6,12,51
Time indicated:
3,04,34
